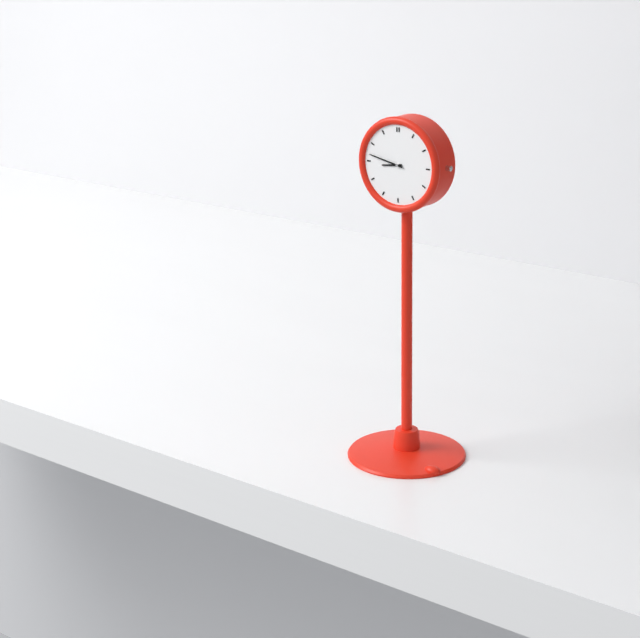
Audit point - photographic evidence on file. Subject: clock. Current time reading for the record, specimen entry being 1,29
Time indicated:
8,47
